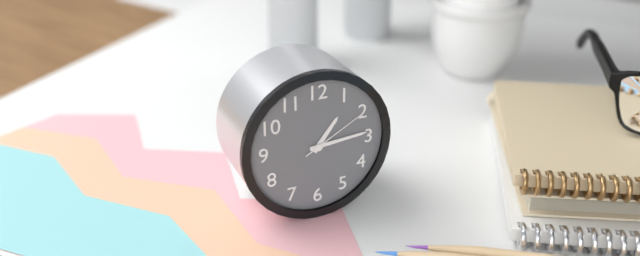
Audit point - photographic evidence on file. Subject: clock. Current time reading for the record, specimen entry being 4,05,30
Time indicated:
1,14,10
